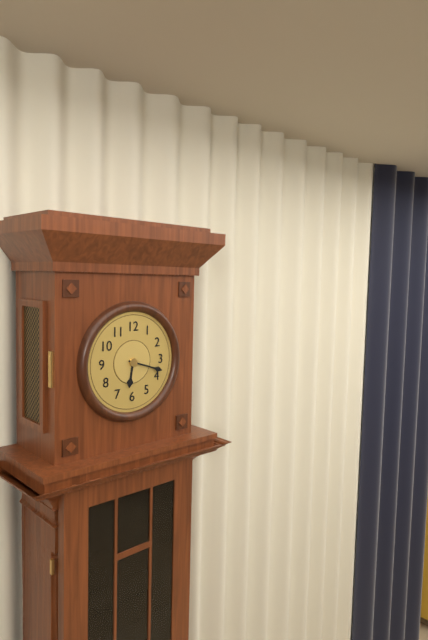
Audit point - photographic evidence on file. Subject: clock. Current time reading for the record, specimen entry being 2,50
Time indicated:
6,18
